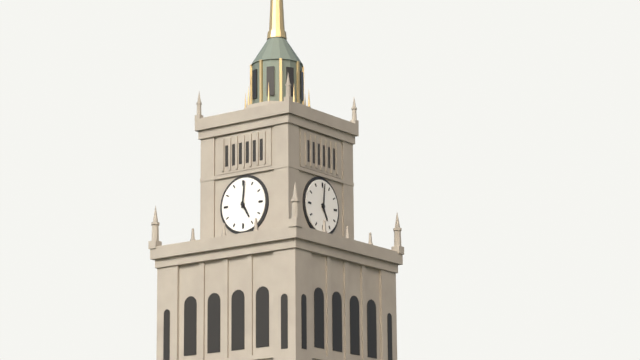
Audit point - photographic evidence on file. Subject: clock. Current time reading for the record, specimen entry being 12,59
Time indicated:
5,01
